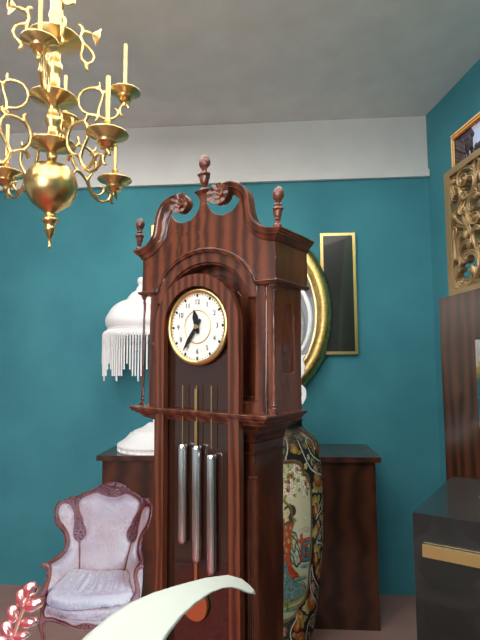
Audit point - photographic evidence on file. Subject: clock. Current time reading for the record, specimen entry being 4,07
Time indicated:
11,36
